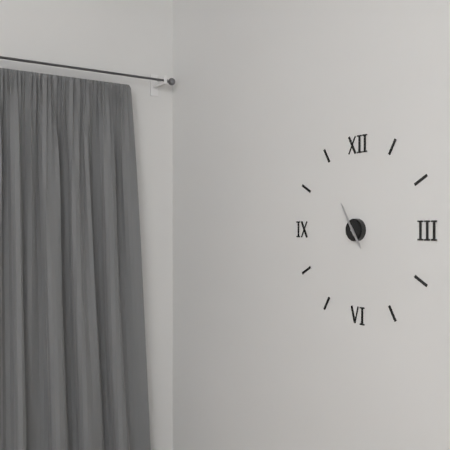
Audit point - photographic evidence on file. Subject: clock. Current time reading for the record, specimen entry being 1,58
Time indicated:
4,55
